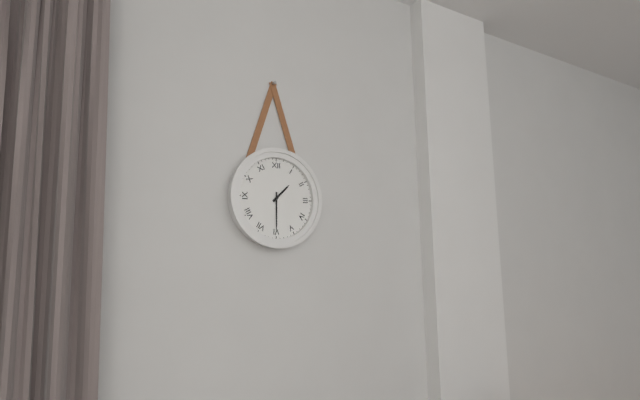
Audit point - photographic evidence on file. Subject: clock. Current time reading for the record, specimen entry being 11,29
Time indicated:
1,30
